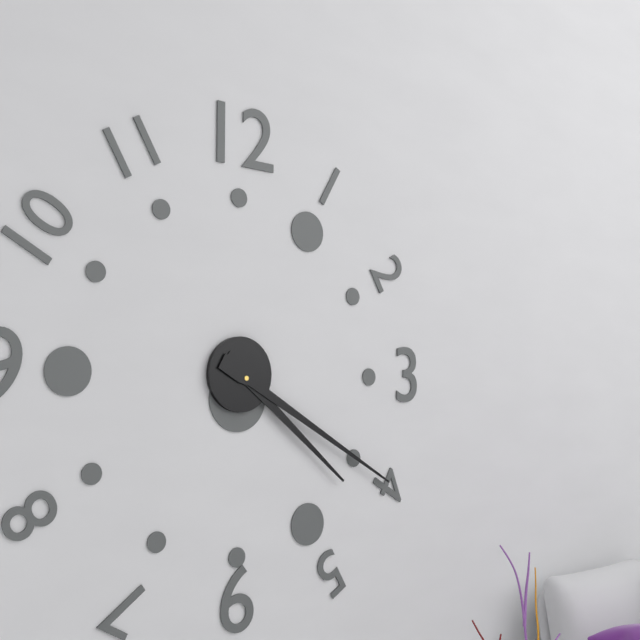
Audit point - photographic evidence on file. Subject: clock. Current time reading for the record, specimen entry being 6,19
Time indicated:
4,20
